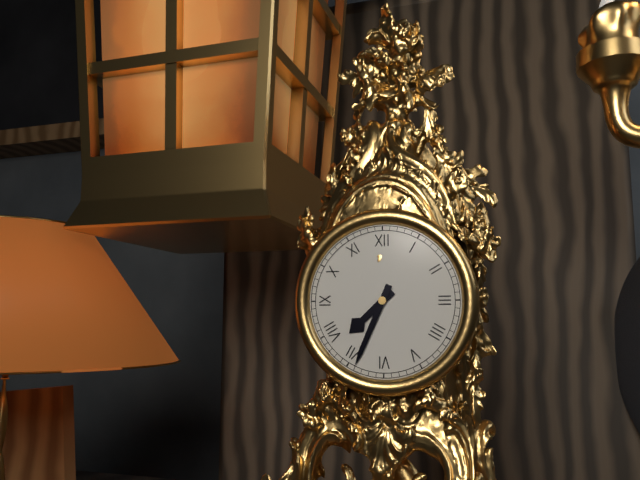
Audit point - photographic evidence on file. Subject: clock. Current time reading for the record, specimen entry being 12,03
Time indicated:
7,34
